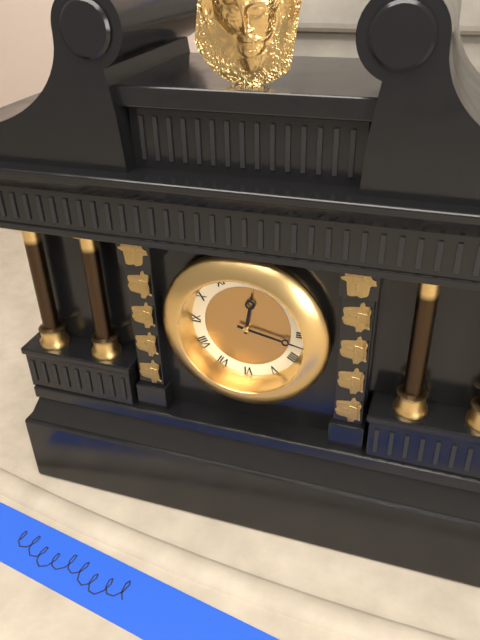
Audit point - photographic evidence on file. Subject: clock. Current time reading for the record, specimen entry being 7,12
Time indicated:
12,17
